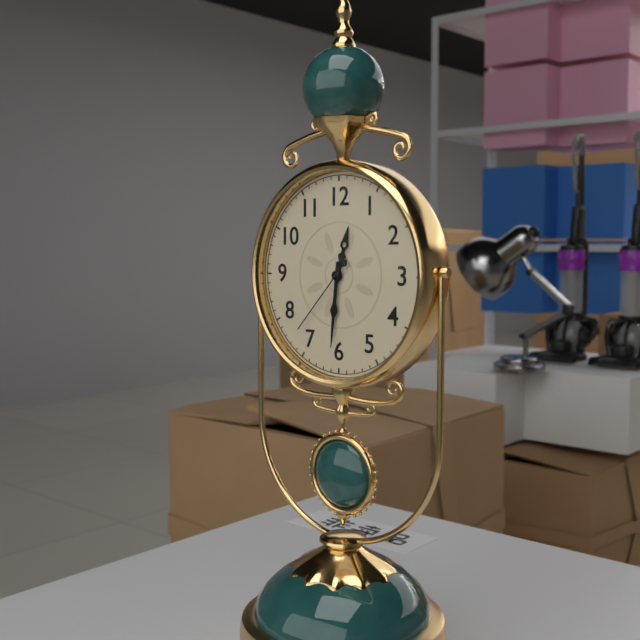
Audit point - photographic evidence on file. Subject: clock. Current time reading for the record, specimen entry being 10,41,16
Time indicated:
12,31,37
